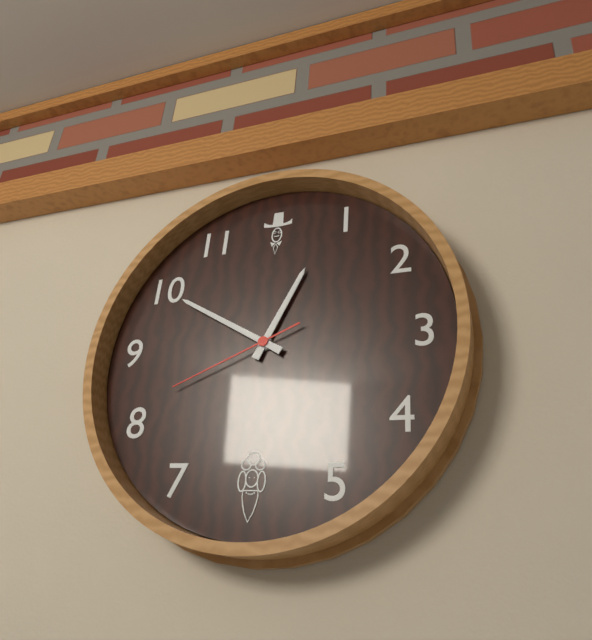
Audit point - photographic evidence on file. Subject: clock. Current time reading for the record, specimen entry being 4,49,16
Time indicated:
12,50,41
